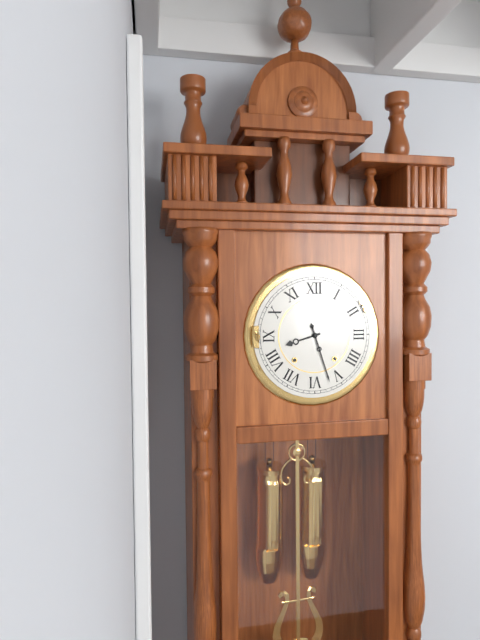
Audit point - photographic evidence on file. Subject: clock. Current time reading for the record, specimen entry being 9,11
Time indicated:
8,27
